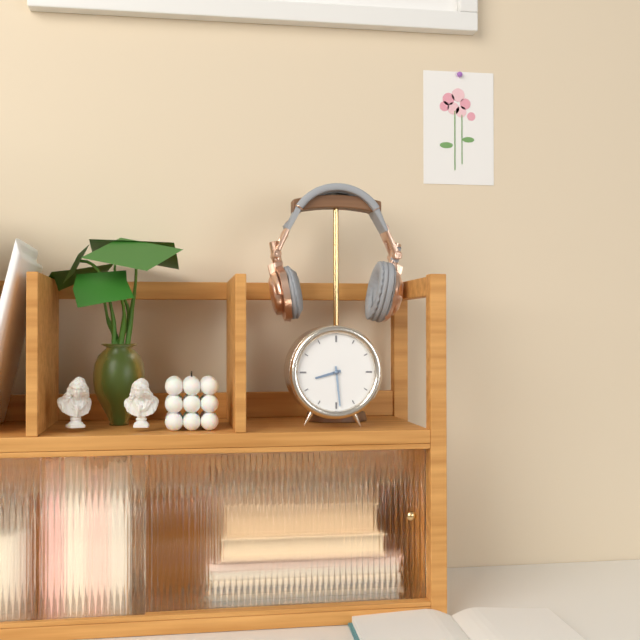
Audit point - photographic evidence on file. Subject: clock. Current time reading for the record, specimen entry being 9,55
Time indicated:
8,29
